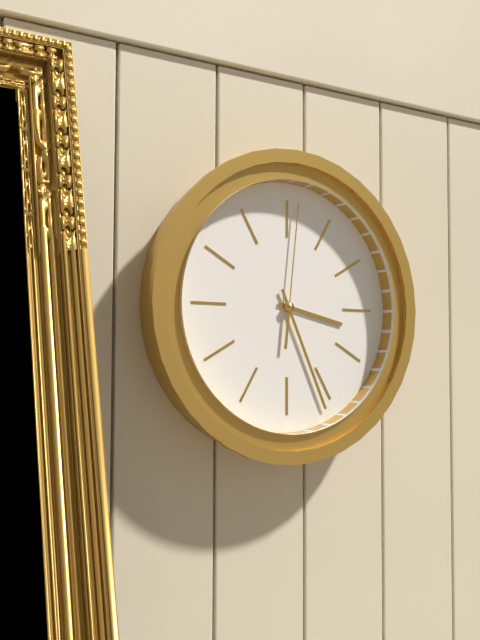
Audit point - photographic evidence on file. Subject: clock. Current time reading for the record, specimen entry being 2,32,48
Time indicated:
3,26,01
